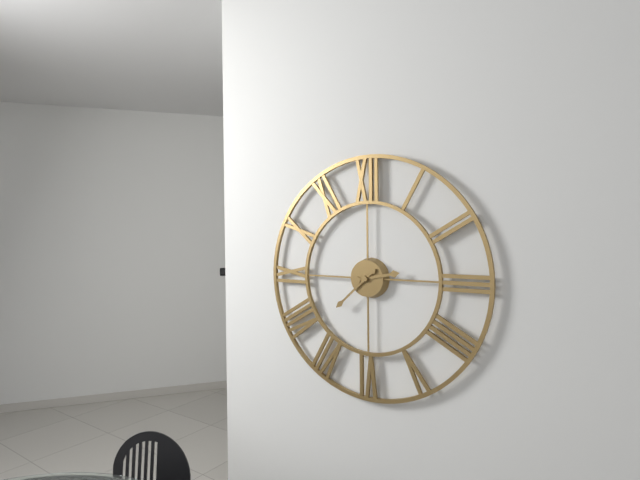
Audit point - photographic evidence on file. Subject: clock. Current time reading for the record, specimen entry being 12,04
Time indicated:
2,38
